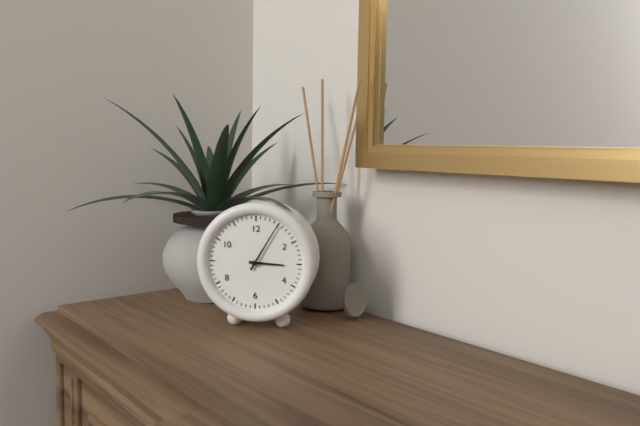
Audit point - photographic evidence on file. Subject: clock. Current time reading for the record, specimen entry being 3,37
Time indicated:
3,05
